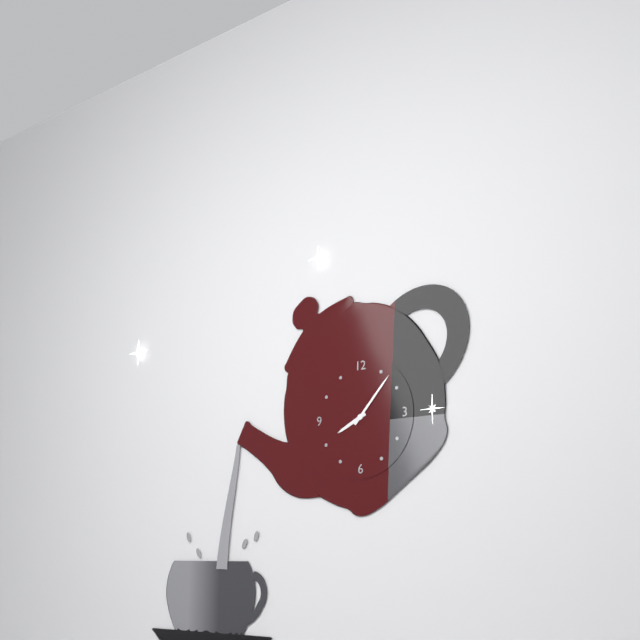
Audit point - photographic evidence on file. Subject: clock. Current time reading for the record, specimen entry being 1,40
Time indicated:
8,07
